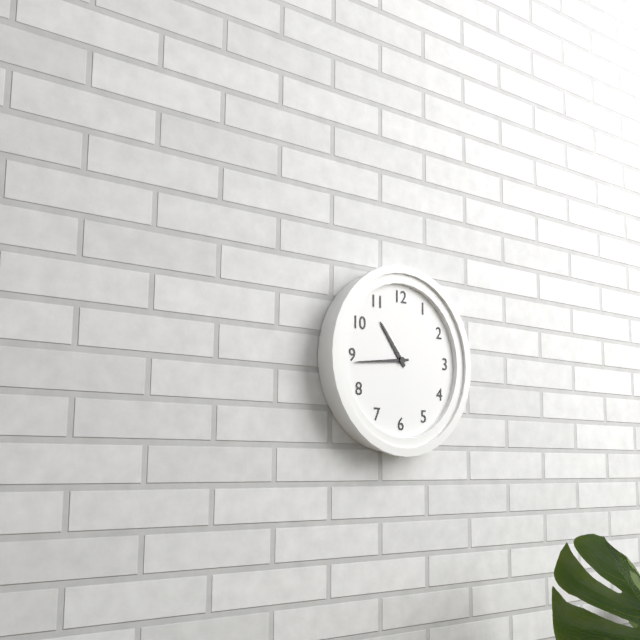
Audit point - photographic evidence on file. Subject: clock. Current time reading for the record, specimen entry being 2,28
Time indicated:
10,44
